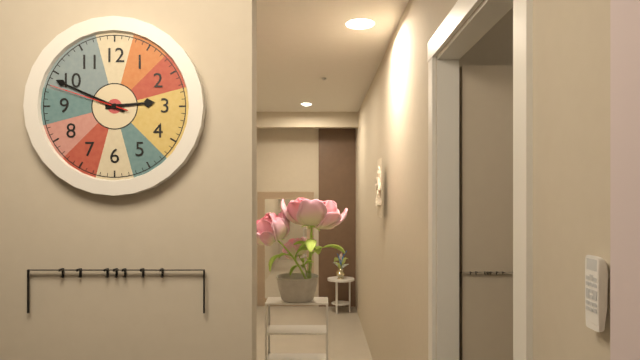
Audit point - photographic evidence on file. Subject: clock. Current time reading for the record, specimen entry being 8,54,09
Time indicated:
2,49,48
